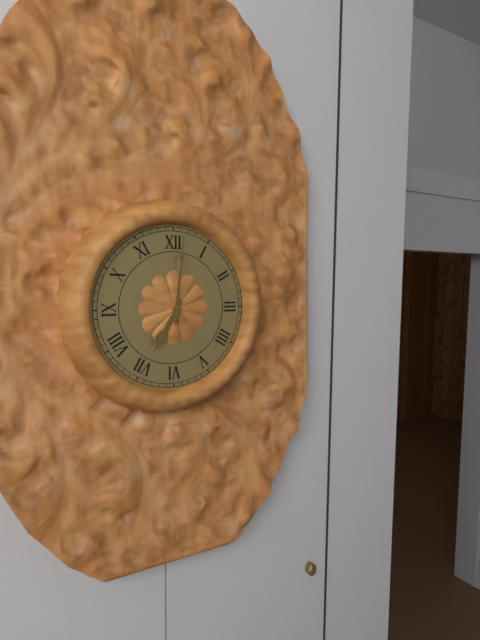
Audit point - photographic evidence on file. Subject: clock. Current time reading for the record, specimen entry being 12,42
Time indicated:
7,01
